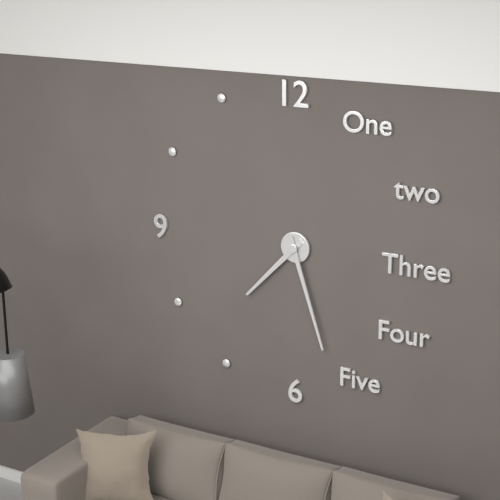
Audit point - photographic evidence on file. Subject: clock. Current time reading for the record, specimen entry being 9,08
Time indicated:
7,27
